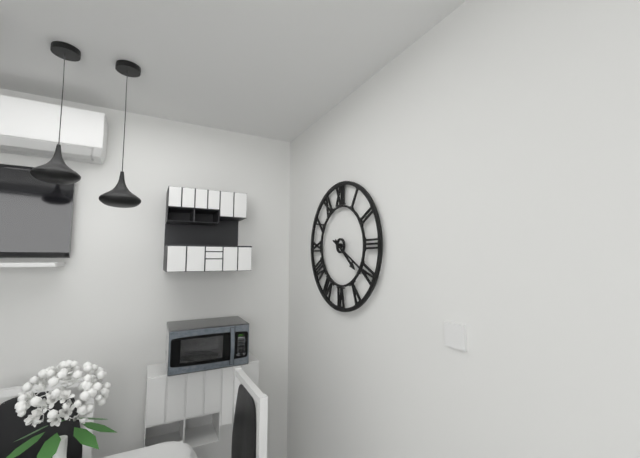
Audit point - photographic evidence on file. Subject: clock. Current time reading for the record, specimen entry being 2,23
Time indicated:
4,20
